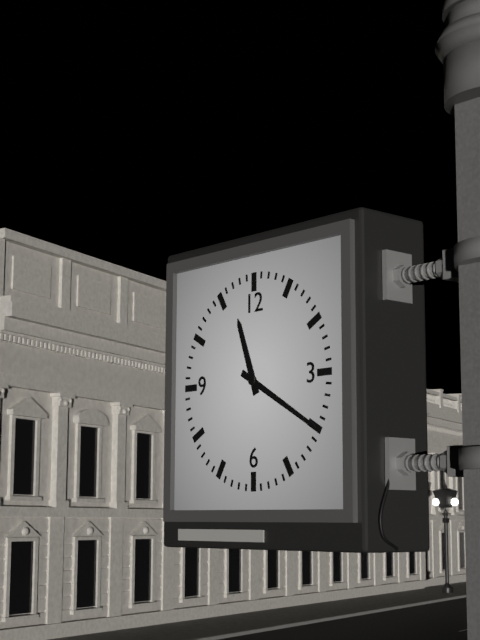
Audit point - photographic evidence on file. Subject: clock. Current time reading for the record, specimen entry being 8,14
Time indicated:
11,20
